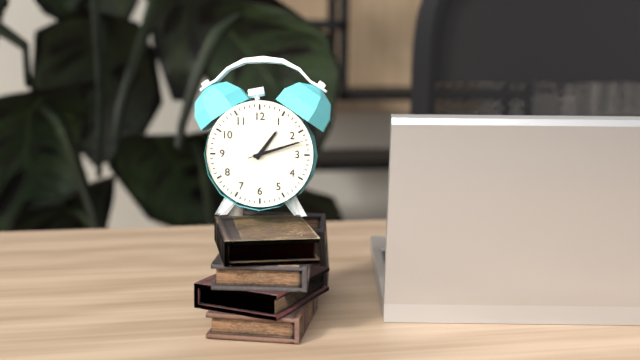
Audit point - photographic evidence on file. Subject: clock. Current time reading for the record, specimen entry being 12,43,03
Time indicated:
1,12,12
